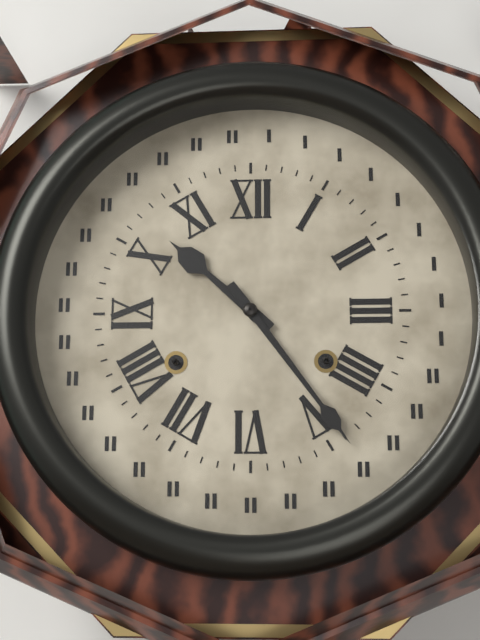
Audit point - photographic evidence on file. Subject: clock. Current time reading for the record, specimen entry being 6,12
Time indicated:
10,24
